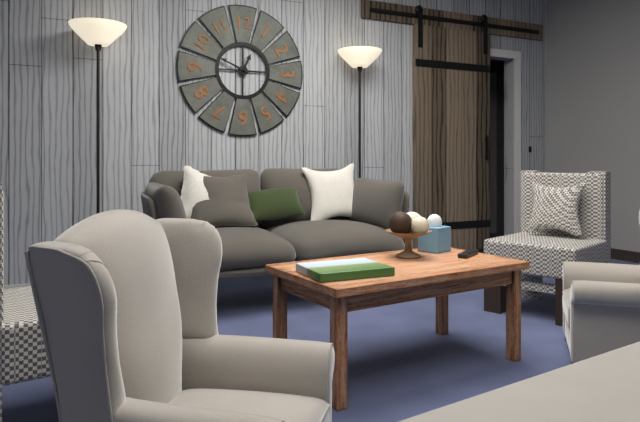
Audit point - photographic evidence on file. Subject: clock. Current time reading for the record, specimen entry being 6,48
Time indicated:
12,49
